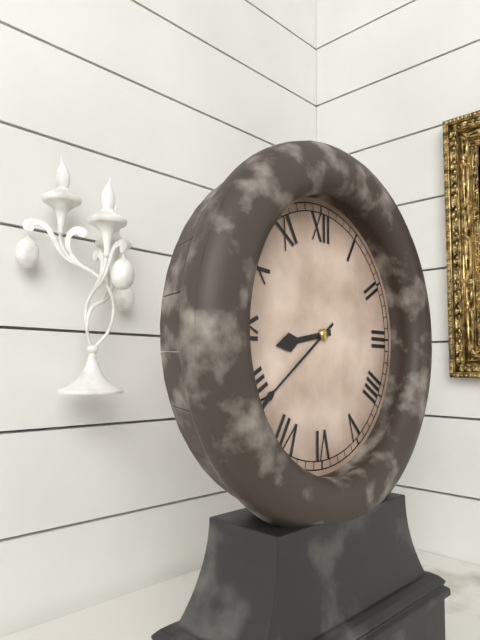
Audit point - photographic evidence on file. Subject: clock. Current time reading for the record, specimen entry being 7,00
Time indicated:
8,39
